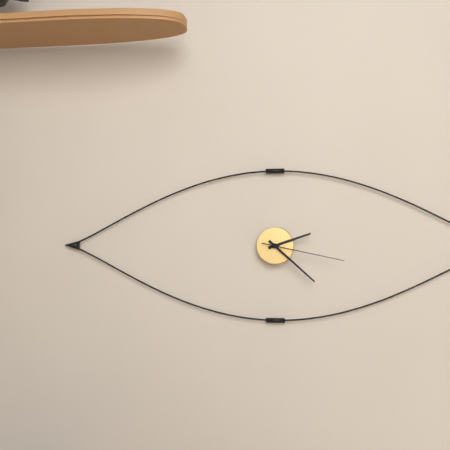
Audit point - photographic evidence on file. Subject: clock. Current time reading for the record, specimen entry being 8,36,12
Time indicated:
2,22,17
